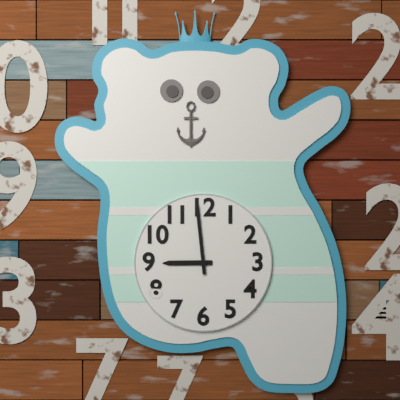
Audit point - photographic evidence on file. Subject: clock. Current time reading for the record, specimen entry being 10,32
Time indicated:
8,59
